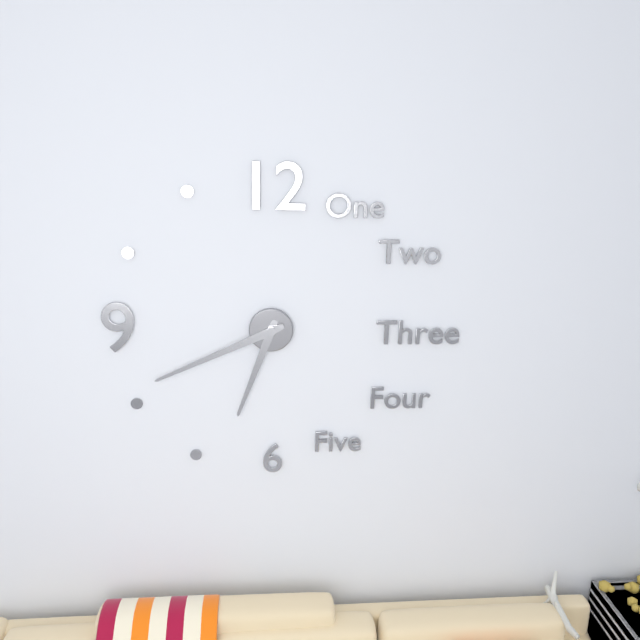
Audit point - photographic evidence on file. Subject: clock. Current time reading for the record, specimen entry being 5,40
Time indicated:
6,41
